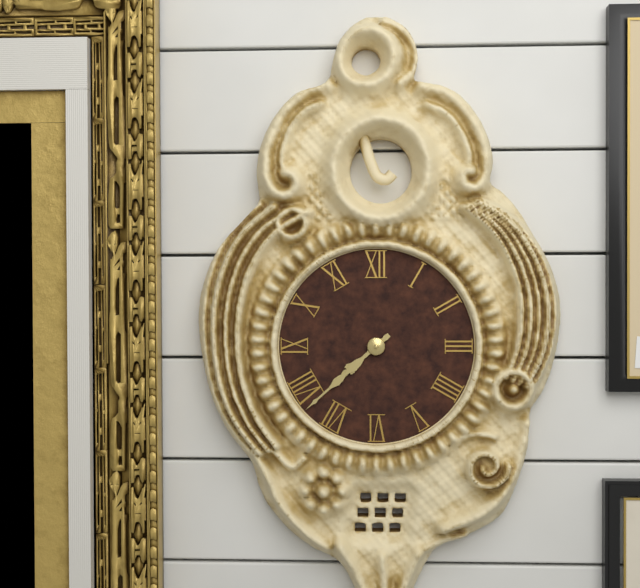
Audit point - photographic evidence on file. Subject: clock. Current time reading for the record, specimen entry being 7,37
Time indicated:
7,38
